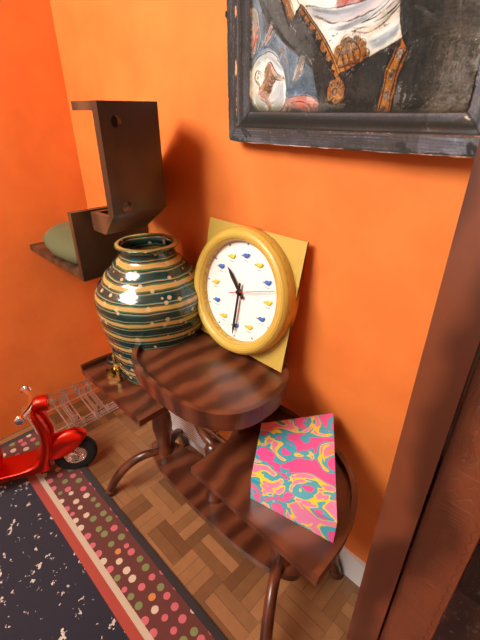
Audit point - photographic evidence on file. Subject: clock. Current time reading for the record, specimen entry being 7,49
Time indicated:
10,30
